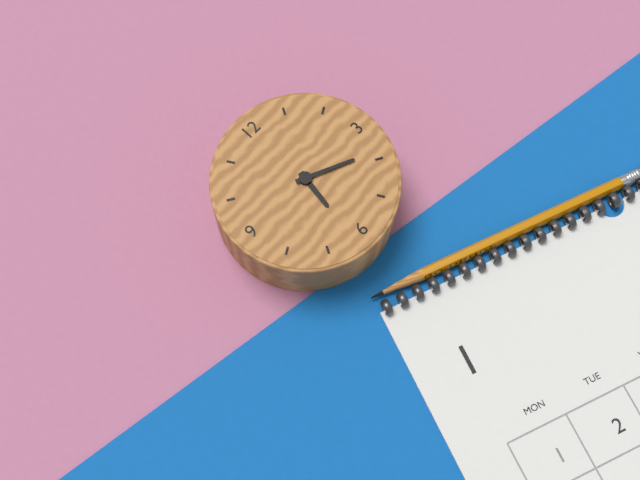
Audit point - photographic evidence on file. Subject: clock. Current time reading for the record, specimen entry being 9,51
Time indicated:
6,19
